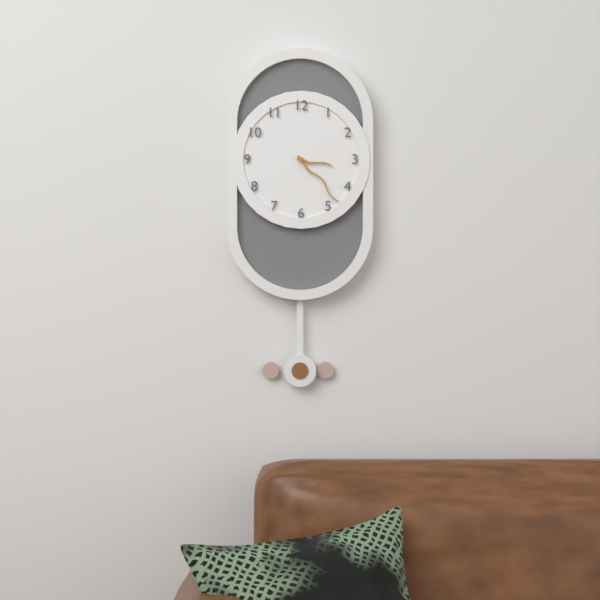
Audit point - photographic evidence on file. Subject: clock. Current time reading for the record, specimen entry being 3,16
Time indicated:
3,23
